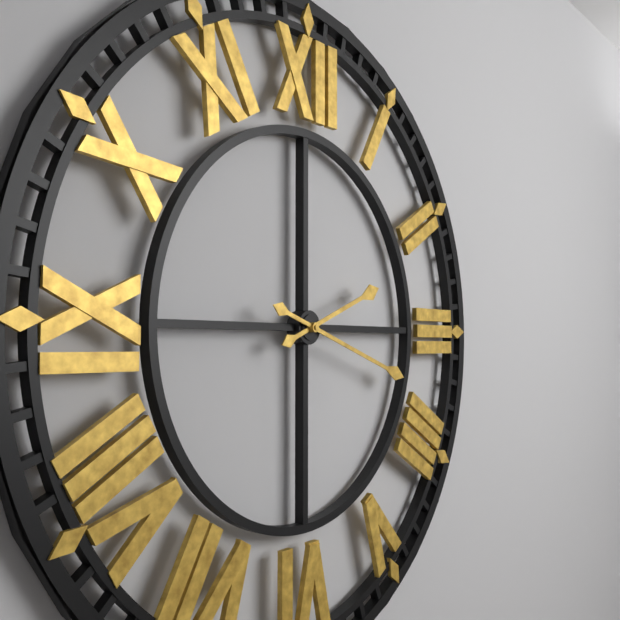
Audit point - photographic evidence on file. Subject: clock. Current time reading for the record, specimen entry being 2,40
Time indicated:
2,18
